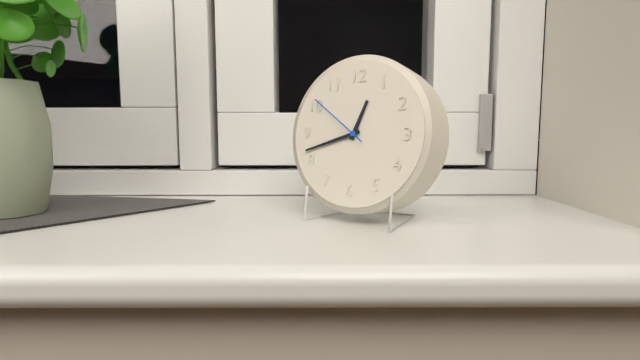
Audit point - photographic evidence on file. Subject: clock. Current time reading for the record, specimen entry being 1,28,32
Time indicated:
12,42,51
